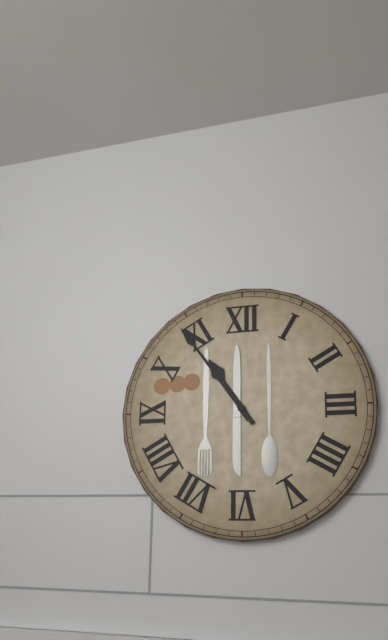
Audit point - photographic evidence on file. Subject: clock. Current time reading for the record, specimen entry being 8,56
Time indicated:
10,54
